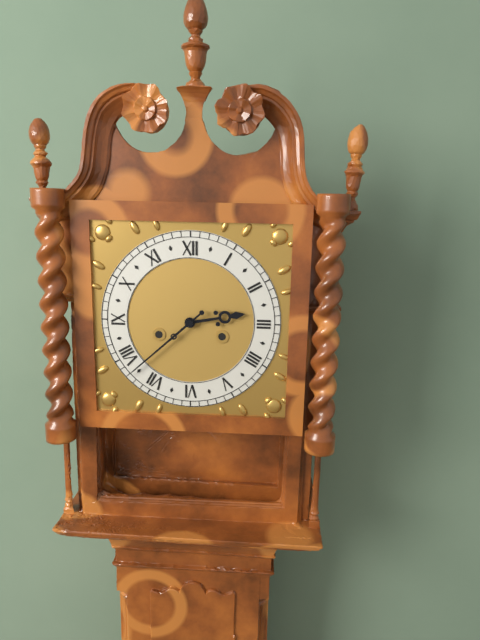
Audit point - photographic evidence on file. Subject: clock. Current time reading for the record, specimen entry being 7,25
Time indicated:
2,38
